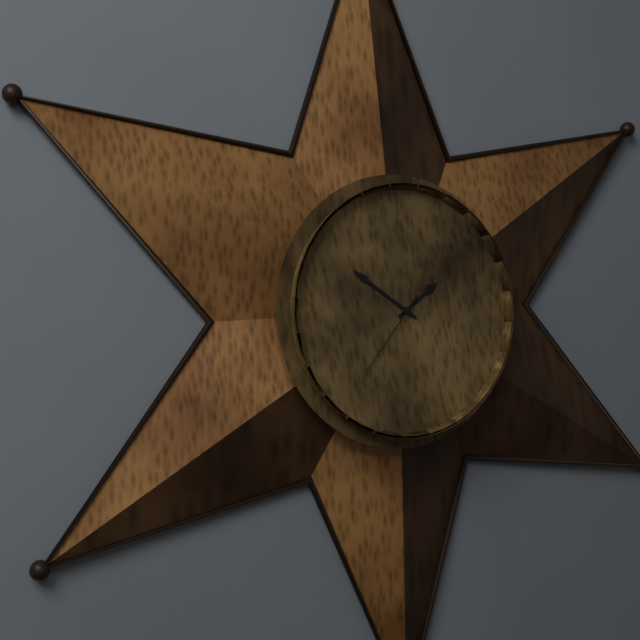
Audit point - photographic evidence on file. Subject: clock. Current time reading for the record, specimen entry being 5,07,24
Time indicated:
1,51,37
